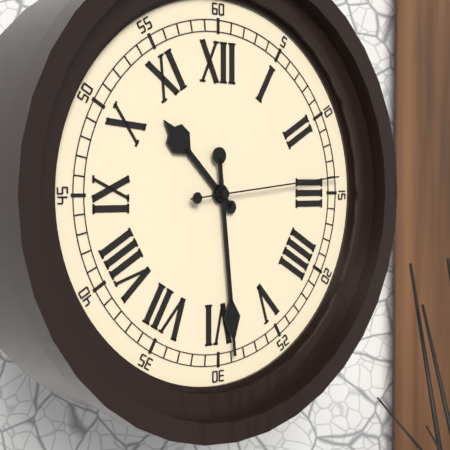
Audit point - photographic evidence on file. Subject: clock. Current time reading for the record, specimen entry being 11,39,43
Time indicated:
10,29,14
